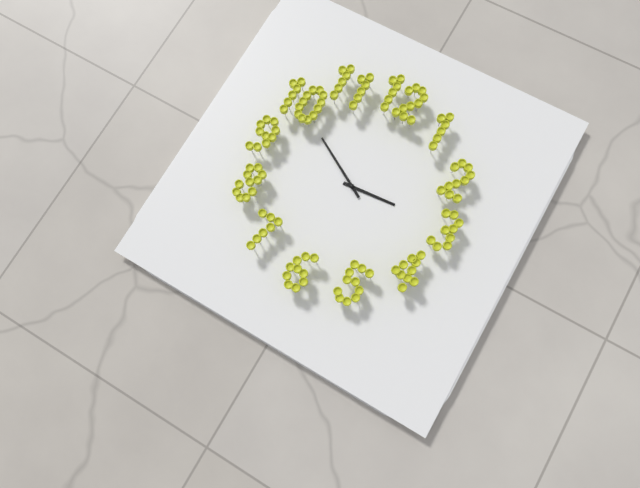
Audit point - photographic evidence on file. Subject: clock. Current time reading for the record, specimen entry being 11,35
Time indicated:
2,50
